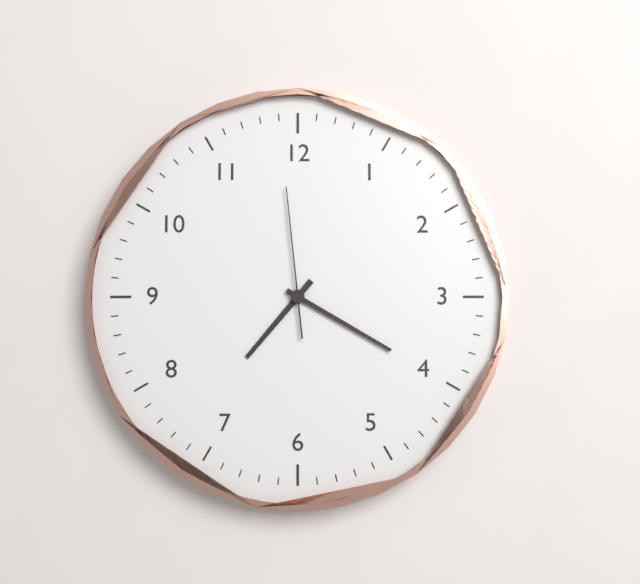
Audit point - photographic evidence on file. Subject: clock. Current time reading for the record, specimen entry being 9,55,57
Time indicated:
7,20,59
